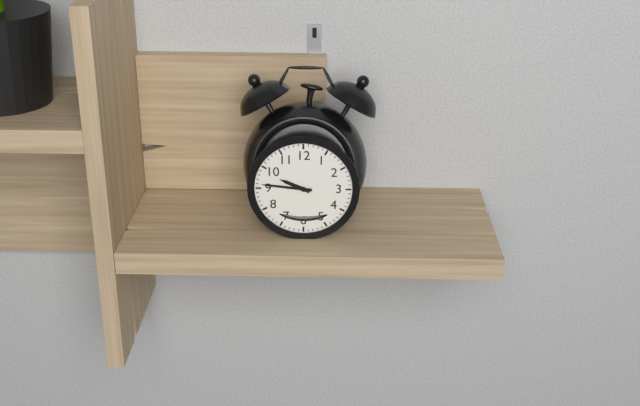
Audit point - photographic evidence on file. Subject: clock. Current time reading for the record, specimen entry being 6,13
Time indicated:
9,46
